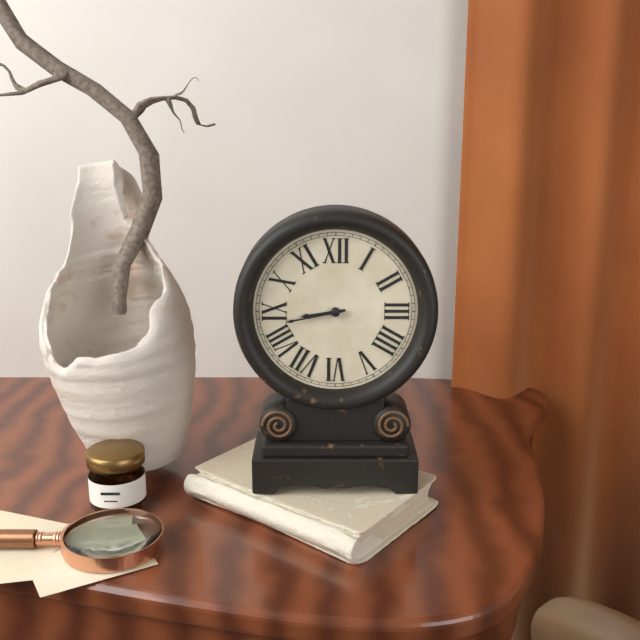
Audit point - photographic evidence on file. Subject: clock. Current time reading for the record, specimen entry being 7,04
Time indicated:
8,43
